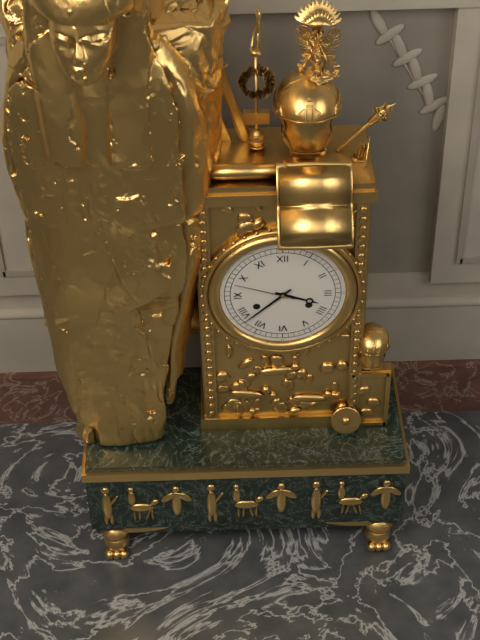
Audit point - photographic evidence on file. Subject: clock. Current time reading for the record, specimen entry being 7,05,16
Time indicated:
3,38,48
